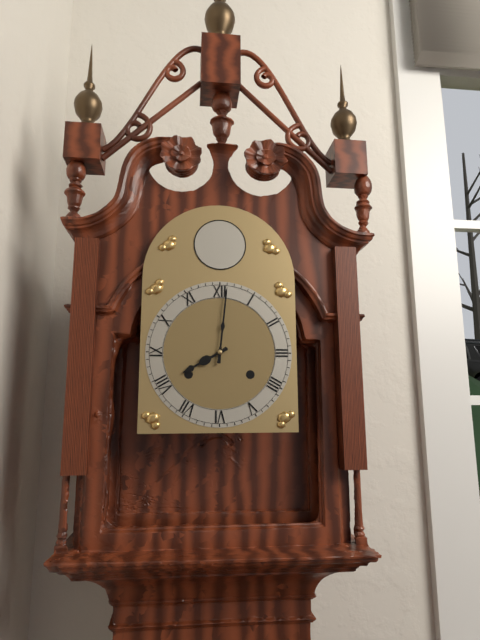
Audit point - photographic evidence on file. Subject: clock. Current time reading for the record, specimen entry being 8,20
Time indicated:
8,01
